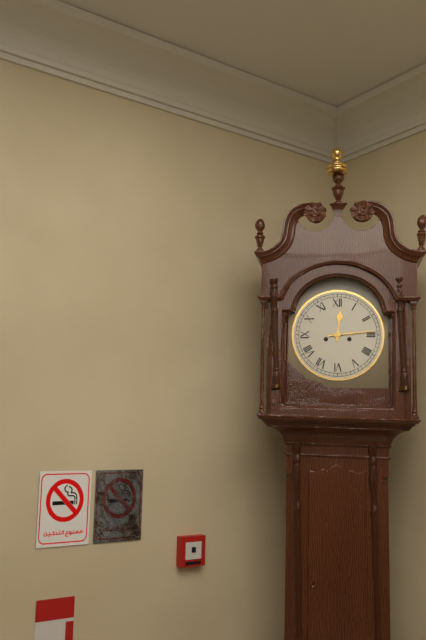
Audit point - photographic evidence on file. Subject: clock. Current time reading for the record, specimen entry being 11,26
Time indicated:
12,14
